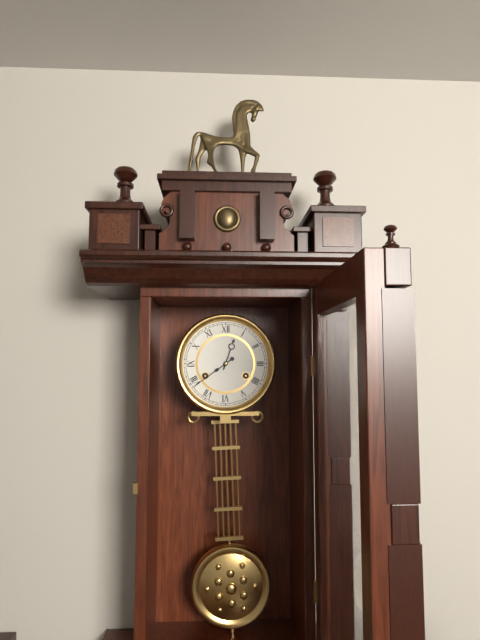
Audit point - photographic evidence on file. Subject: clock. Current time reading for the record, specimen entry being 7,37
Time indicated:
12,39
